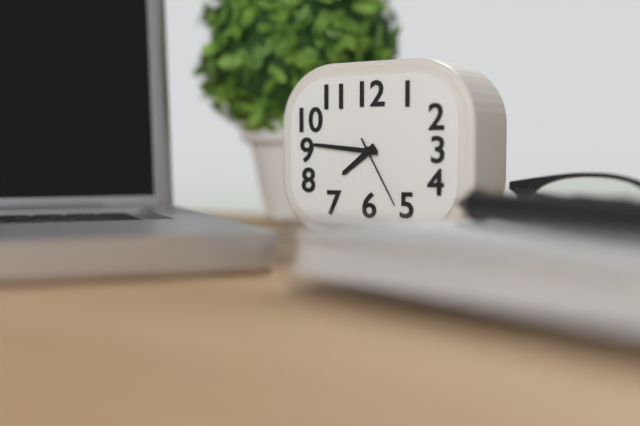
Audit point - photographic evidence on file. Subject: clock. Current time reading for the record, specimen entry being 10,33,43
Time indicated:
7,46,25
